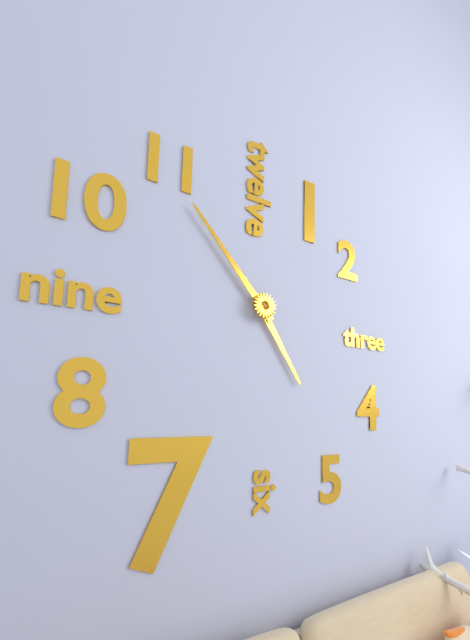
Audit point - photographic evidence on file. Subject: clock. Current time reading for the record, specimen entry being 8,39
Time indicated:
4,53
